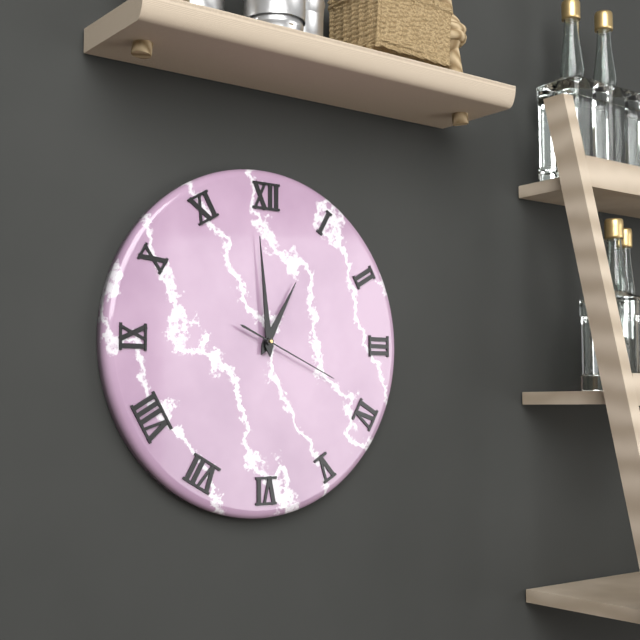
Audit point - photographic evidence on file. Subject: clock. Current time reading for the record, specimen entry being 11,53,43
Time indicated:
12,59,19
